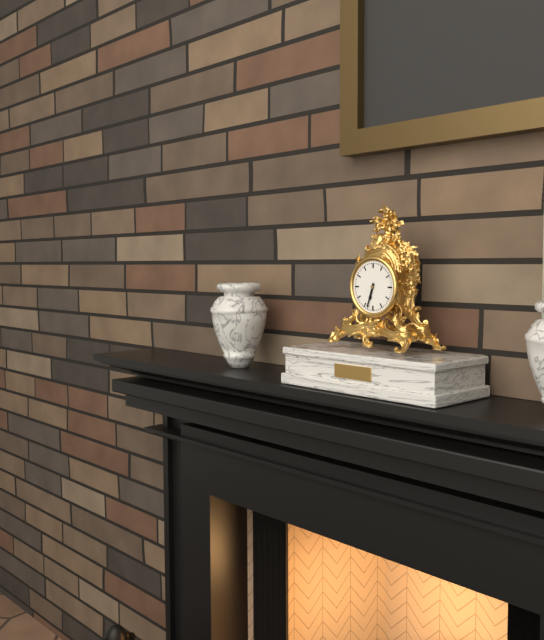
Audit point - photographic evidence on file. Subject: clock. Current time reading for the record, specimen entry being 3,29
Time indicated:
6,33
